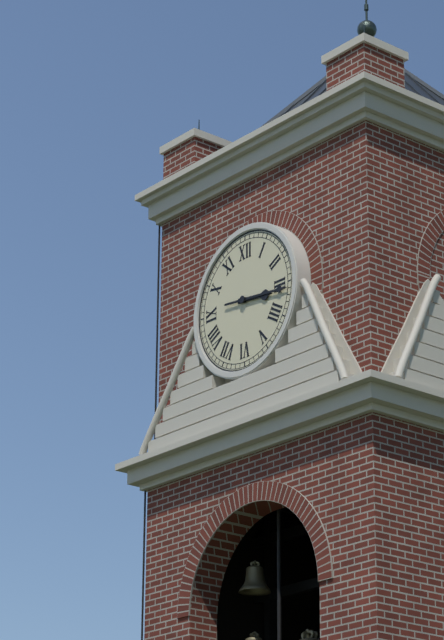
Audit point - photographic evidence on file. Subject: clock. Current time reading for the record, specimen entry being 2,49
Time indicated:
3,16
